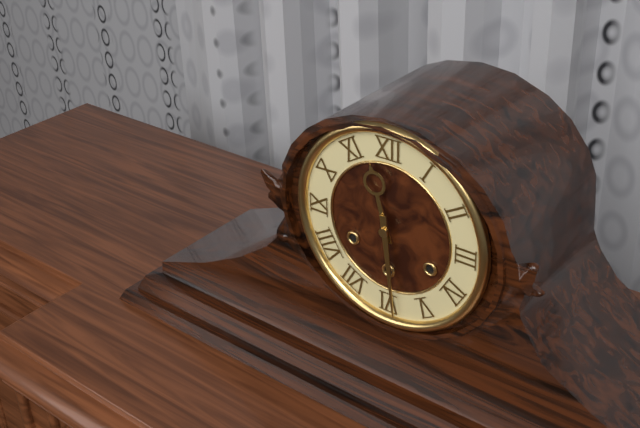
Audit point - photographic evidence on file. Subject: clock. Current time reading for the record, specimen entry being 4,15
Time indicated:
11,29
